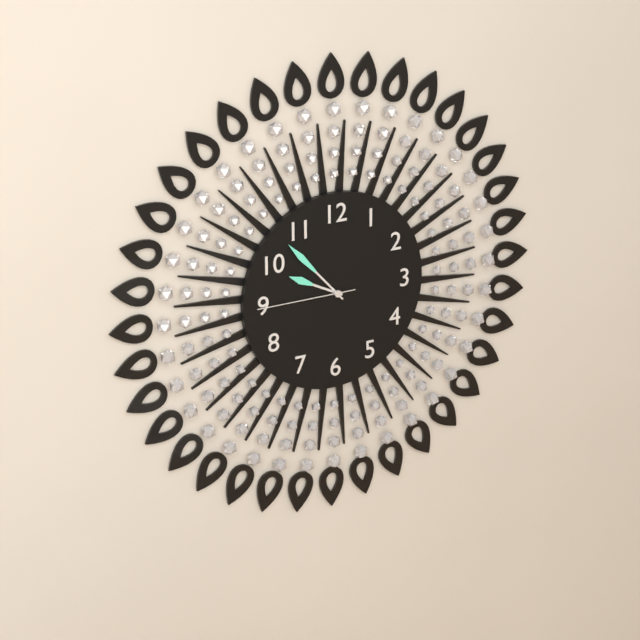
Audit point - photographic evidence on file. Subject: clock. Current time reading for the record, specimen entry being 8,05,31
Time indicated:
9,53,45
